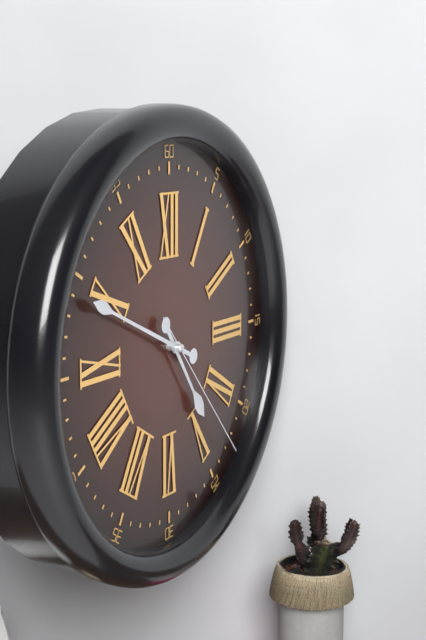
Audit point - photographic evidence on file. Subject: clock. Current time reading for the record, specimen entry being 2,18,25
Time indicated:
4,49,23
